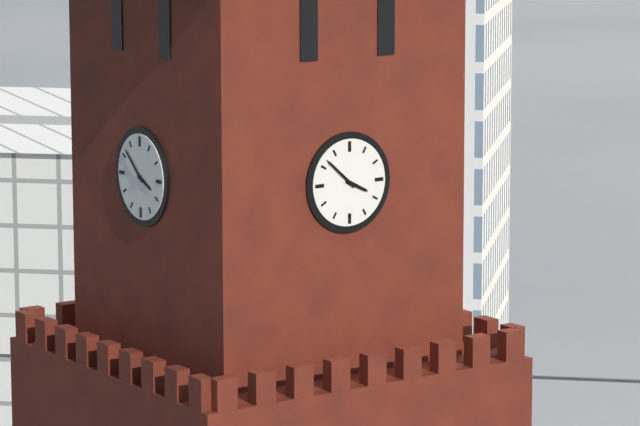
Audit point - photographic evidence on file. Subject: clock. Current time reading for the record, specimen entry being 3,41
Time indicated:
3,52
